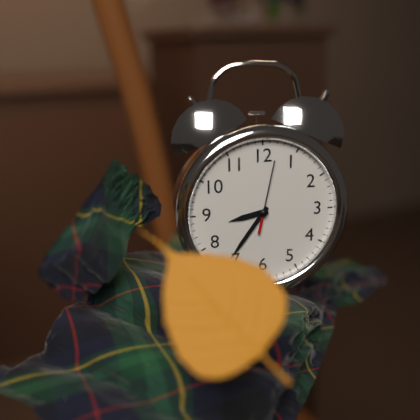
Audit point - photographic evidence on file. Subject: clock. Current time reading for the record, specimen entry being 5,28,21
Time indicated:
8,36,02
